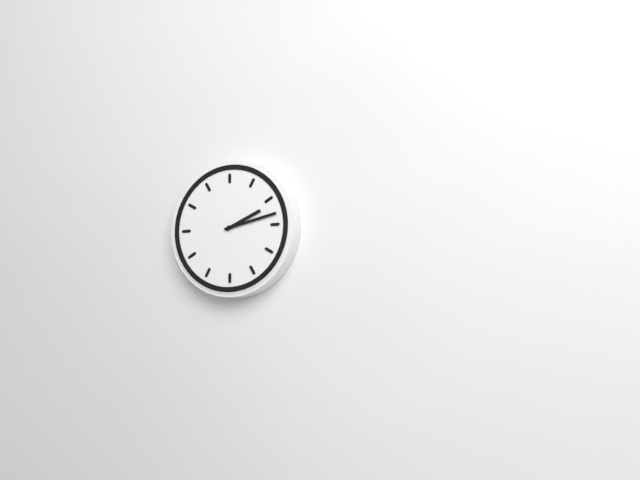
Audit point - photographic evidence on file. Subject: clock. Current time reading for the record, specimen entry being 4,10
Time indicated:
2,13
